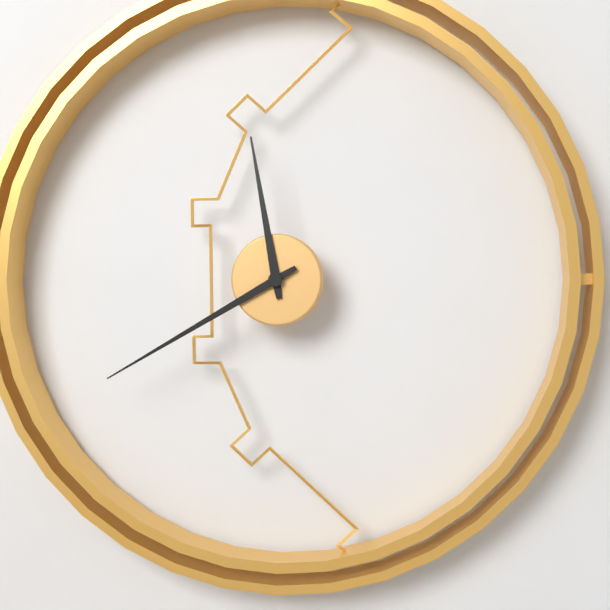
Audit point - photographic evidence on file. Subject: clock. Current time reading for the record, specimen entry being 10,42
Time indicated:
11,40
